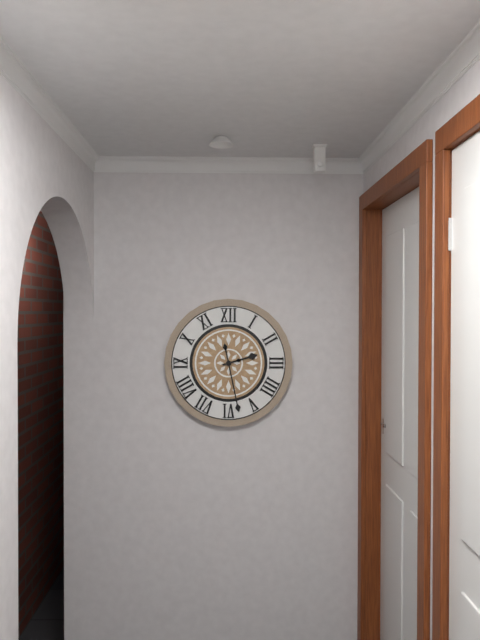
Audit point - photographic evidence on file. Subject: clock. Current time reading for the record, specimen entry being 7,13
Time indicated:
2,28
